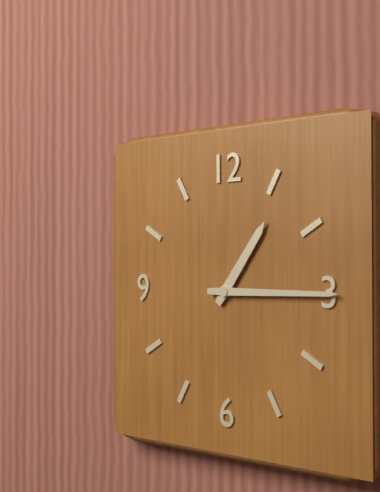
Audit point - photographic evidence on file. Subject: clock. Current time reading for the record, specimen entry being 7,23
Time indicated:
1,15
